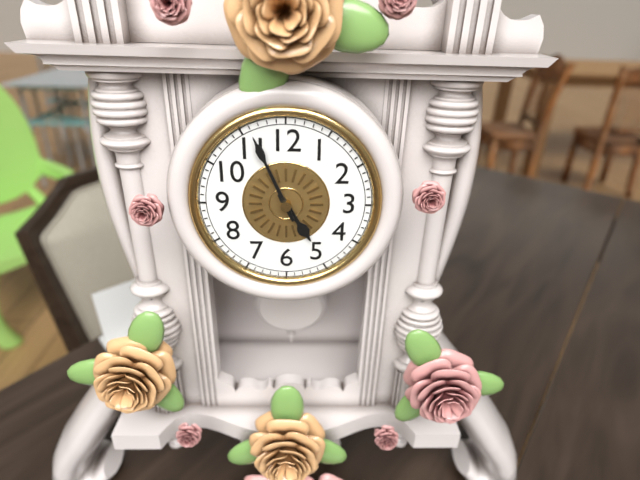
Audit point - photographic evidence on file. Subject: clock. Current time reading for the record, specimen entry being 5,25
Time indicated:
4,56
